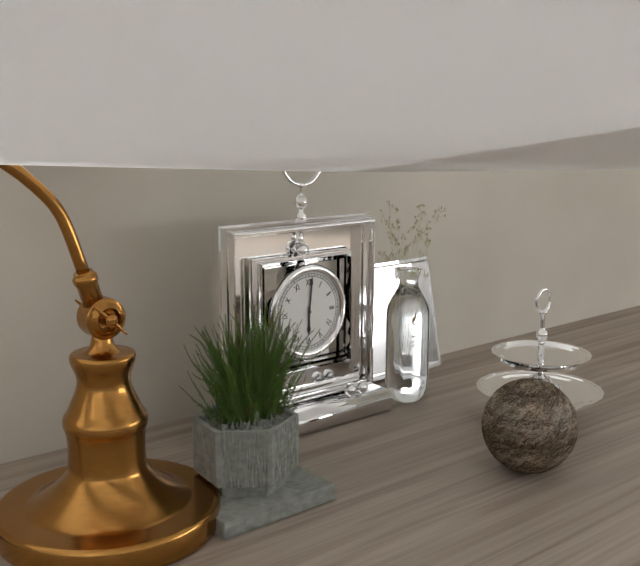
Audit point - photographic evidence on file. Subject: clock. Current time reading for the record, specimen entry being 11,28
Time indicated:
6,01
